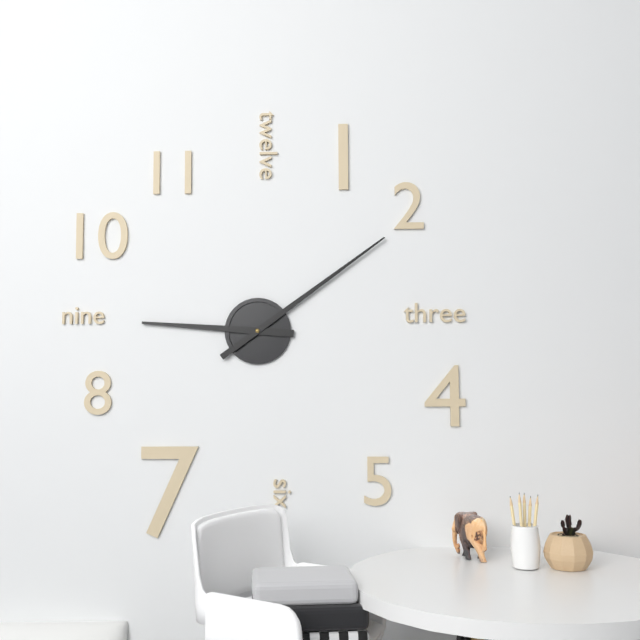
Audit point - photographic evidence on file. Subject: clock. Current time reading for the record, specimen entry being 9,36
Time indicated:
9,09
